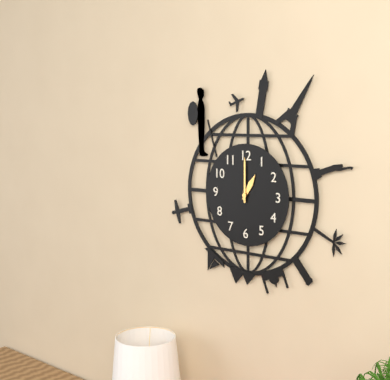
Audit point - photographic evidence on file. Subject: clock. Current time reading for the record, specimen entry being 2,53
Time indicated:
1,00
